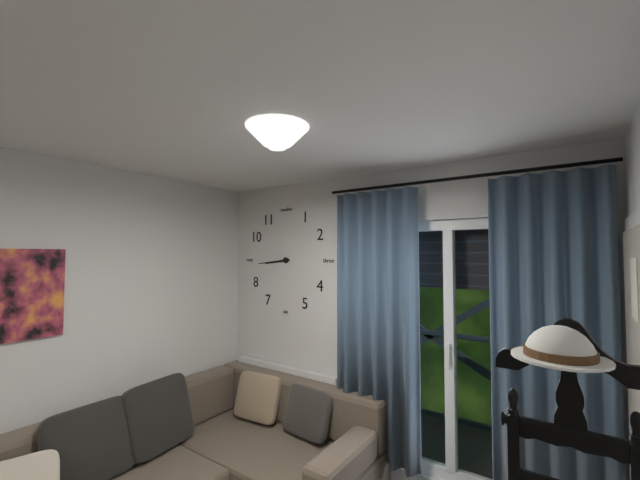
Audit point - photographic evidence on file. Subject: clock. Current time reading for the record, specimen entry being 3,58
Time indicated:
8,44
